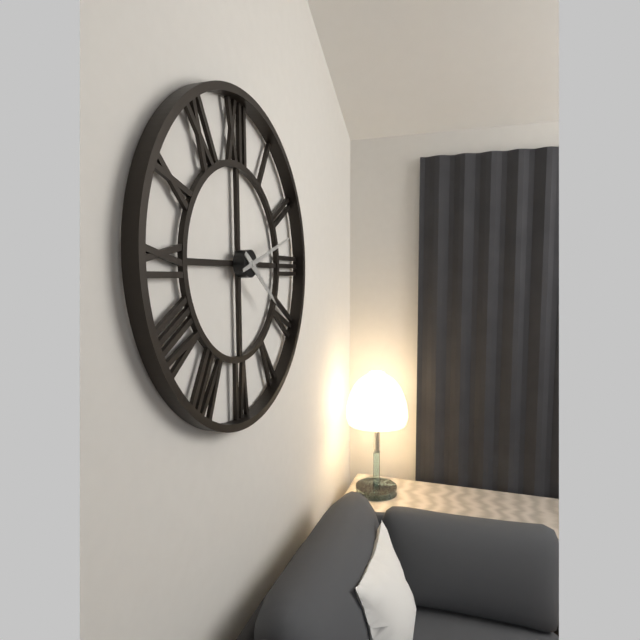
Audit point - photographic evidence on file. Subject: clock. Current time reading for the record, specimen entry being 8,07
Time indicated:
4,12
